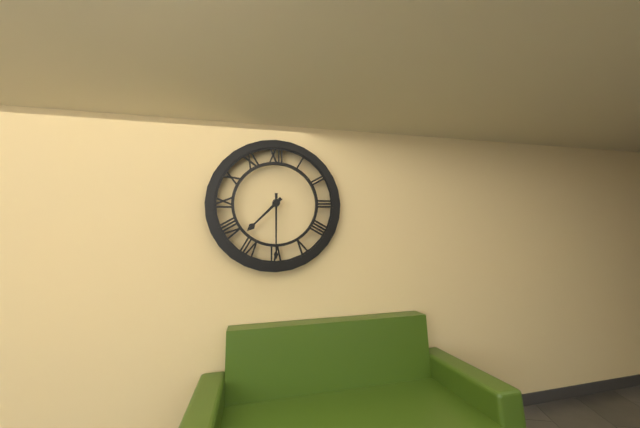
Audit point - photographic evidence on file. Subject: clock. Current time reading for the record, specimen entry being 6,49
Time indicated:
7,30
